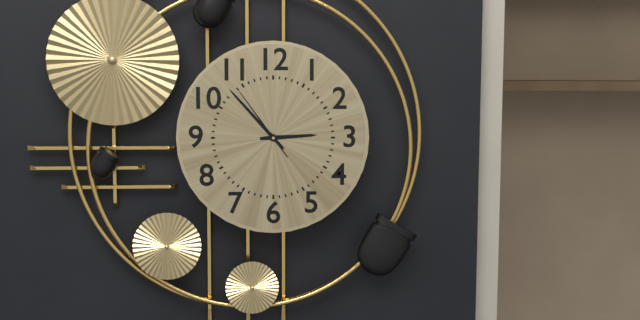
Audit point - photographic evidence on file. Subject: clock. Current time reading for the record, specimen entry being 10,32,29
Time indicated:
2,53,54
